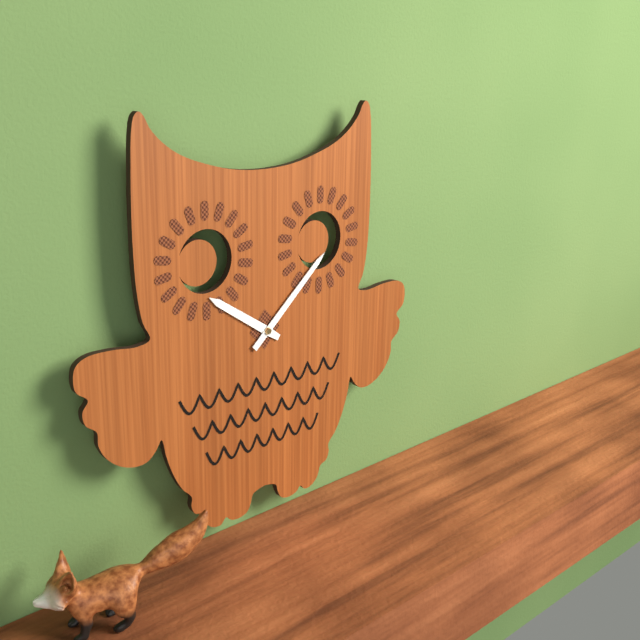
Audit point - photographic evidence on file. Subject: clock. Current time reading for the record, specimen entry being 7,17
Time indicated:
10,08
